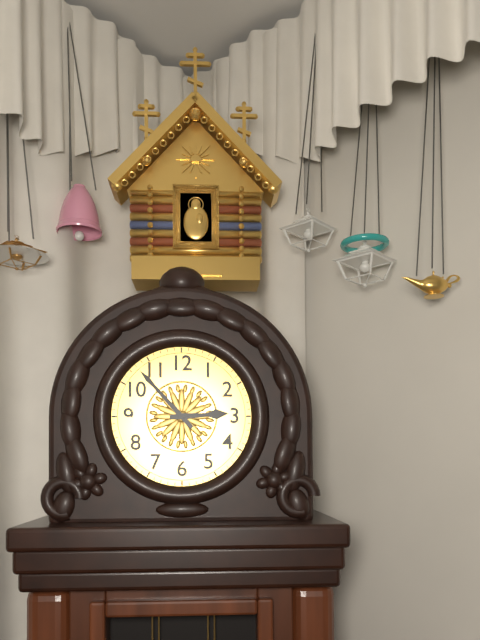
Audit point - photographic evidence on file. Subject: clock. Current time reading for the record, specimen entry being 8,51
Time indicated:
2,53
